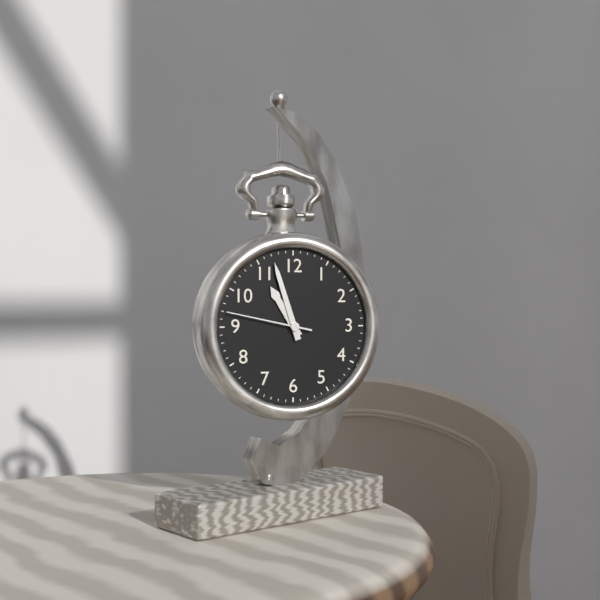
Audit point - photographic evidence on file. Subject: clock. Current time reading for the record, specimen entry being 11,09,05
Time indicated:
10,57,47
